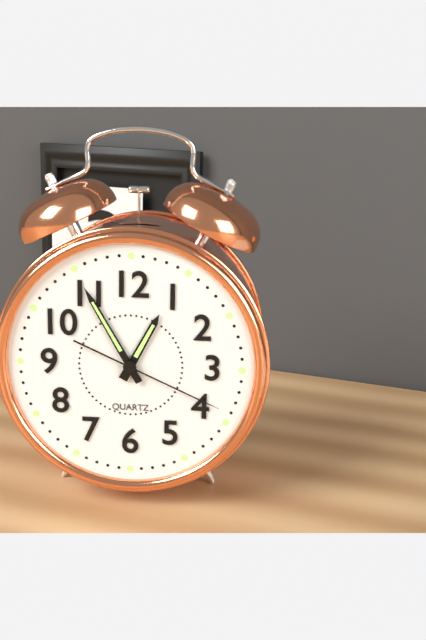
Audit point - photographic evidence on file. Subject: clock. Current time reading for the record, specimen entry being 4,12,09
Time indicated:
12,55,19
